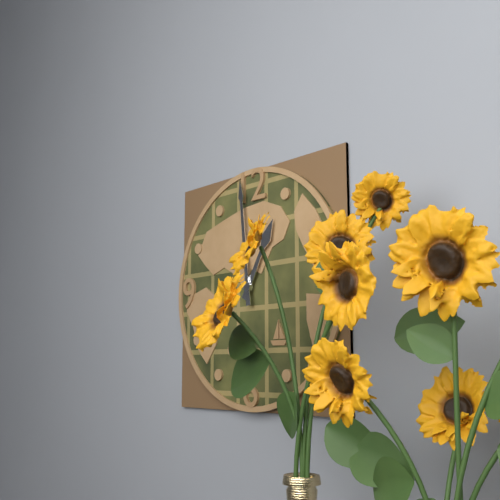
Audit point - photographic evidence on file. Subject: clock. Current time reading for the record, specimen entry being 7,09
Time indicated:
12,59
